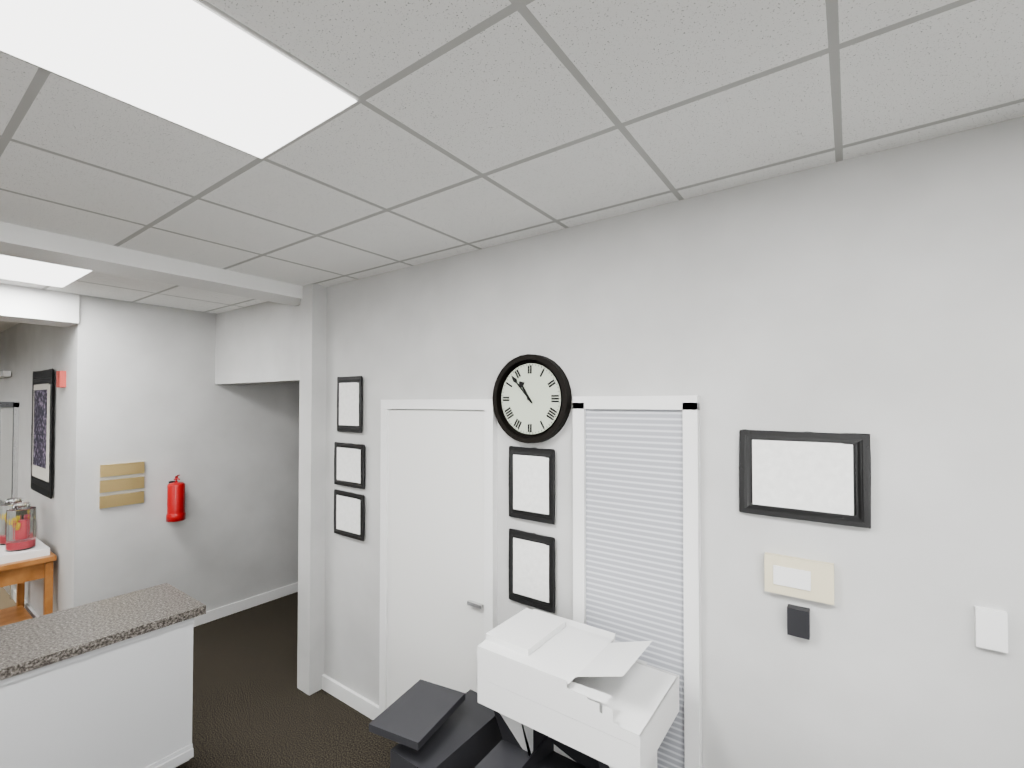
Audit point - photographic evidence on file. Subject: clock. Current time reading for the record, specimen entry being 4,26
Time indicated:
10,53
